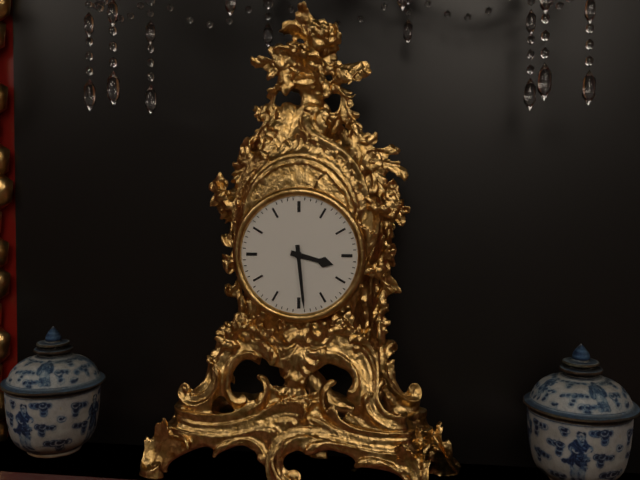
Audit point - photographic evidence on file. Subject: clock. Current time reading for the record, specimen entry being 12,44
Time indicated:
3,29
